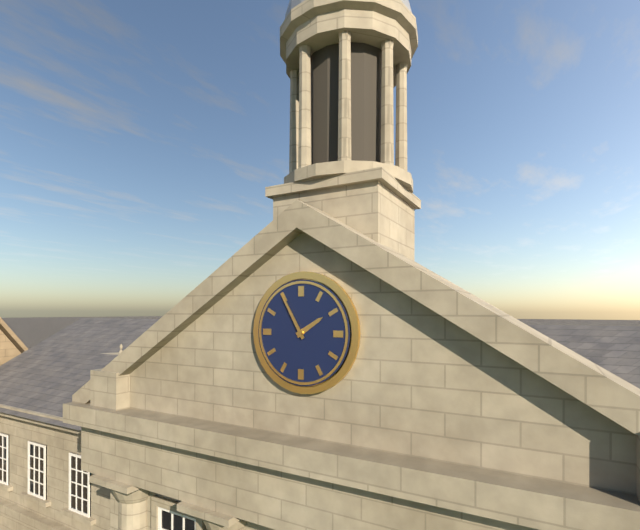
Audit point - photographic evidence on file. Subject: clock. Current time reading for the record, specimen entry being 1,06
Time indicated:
1,55
